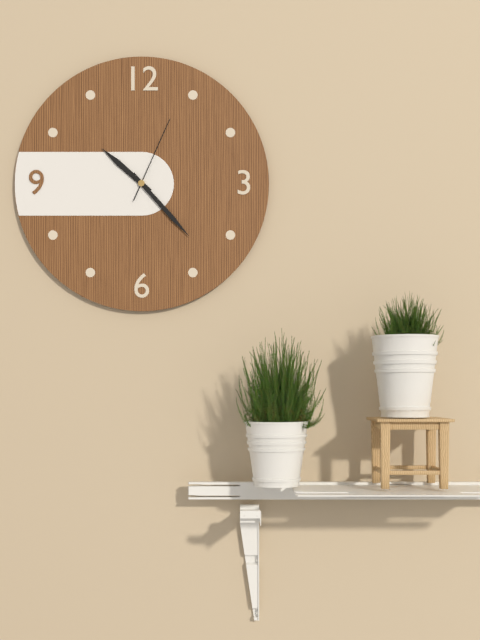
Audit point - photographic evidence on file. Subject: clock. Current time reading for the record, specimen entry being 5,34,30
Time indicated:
10,23,04
